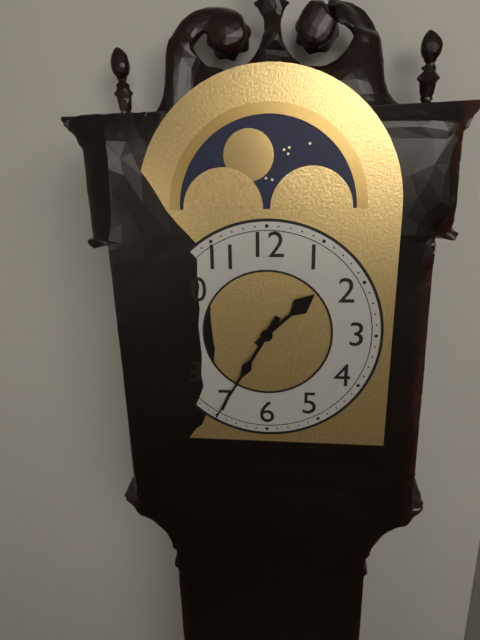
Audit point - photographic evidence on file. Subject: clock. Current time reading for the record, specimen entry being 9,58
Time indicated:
1,35
